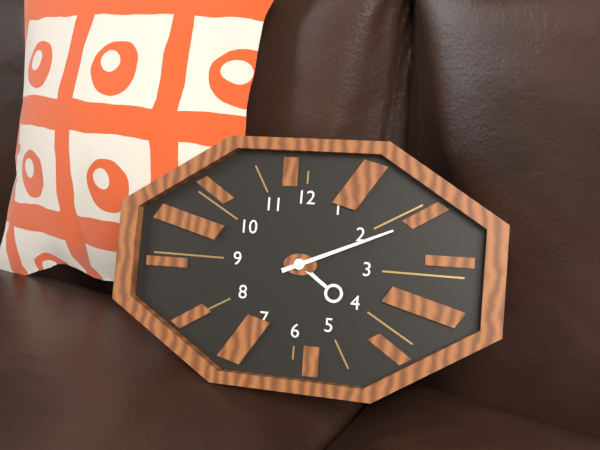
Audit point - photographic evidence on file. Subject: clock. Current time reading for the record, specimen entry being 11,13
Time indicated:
4,11
